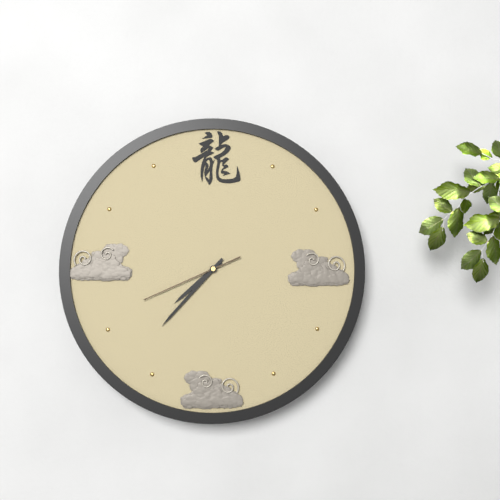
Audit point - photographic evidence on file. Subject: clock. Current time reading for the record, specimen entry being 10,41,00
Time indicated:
7,37,41
